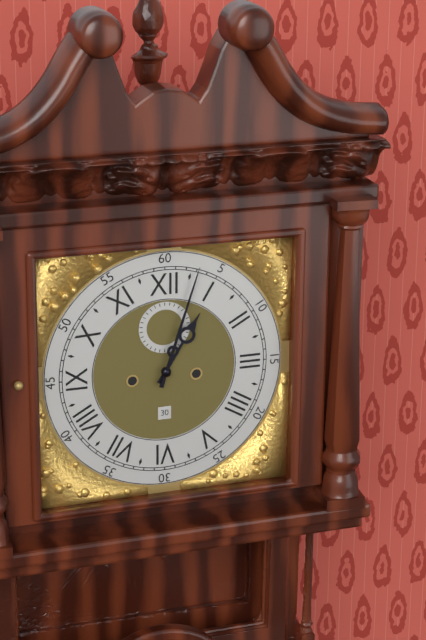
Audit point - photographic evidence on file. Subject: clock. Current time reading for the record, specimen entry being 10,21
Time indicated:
1,03
